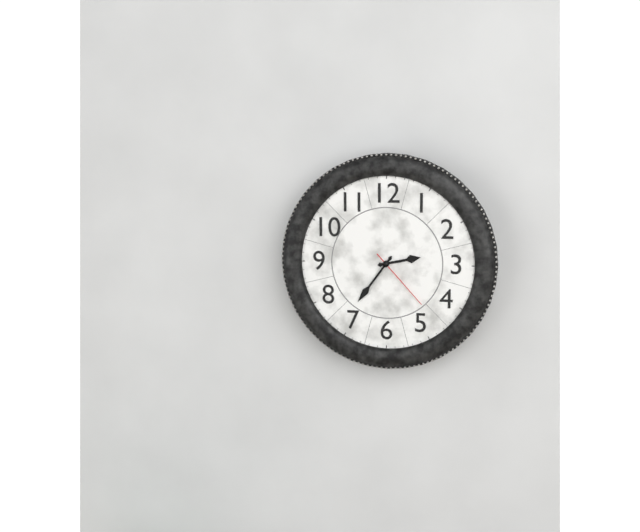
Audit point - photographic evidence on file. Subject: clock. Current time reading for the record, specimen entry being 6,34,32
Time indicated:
2,36,23
